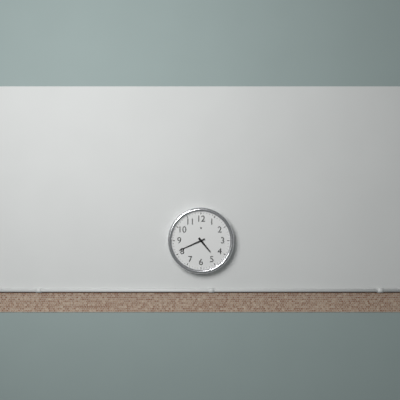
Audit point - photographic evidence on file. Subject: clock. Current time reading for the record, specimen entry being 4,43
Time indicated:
4,41
